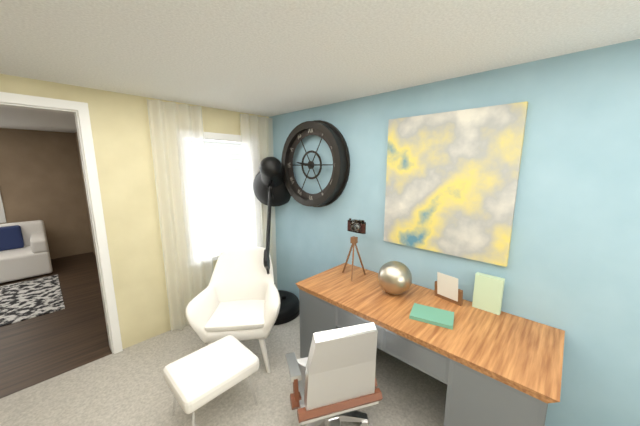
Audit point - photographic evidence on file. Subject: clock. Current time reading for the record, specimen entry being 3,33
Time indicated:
9,15
